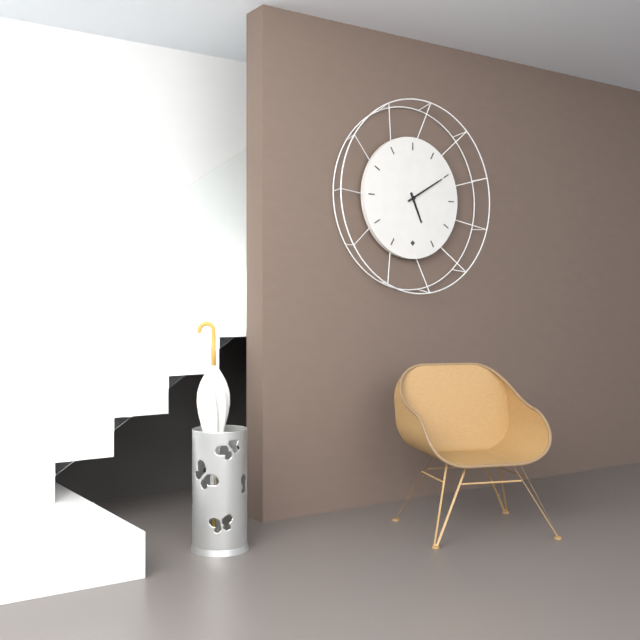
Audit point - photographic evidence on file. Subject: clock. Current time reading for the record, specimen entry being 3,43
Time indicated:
5,10
